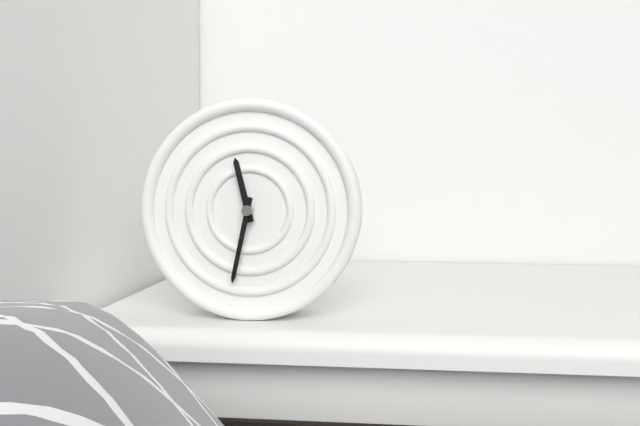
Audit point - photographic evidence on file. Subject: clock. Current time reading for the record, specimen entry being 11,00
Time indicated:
11,32
